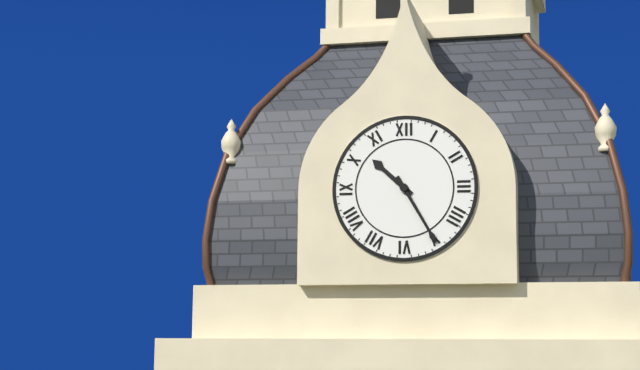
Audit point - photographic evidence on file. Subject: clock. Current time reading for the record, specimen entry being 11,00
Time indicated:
10,25
